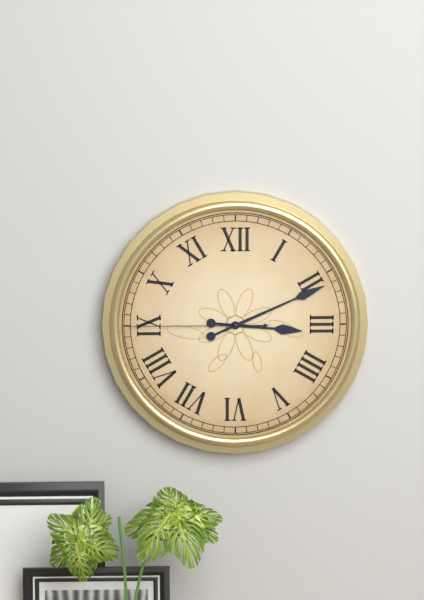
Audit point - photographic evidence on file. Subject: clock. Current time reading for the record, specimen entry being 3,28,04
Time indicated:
3,11,45
